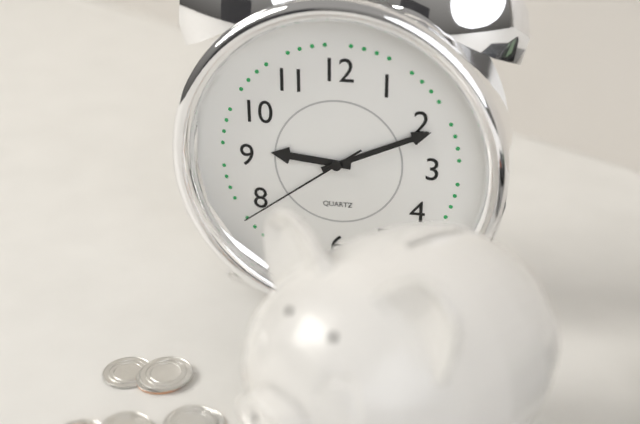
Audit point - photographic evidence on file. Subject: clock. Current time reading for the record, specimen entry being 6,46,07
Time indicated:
9,11,39
